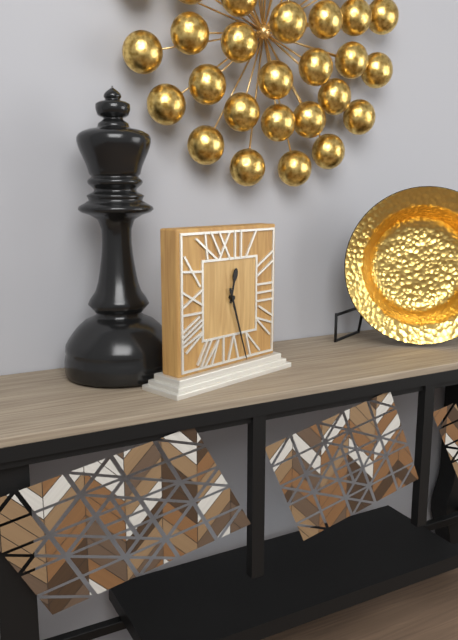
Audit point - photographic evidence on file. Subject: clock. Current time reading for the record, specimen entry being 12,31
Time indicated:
12,27
